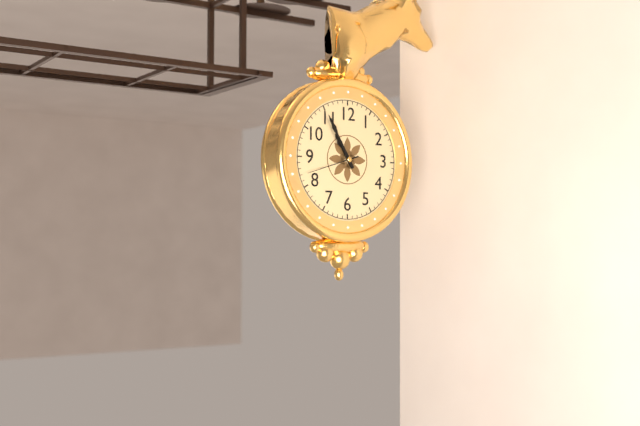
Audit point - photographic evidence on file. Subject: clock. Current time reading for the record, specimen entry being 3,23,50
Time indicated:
10,55,42
